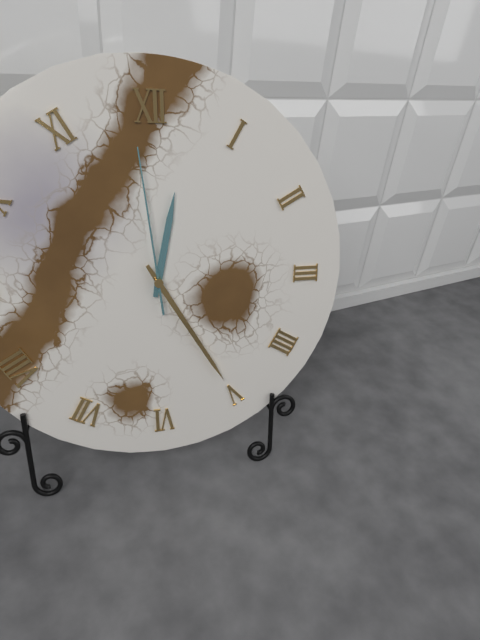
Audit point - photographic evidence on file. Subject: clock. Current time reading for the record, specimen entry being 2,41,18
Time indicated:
12,25,59
